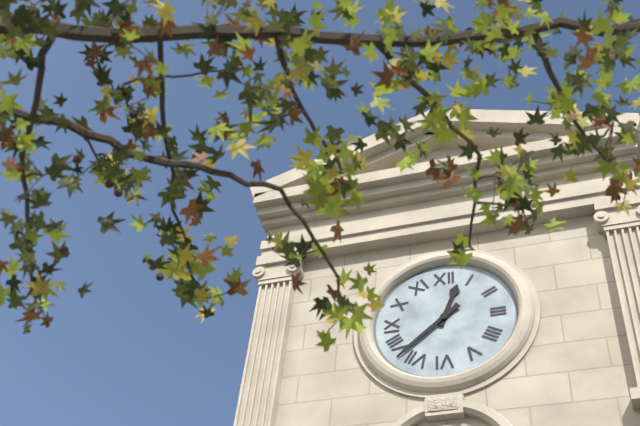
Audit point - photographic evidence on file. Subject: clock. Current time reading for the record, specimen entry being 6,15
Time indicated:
12,38
